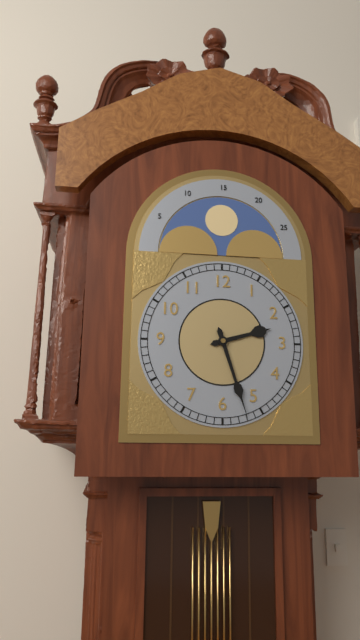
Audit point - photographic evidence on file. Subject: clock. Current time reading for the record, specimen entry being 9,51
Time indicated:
2,27
